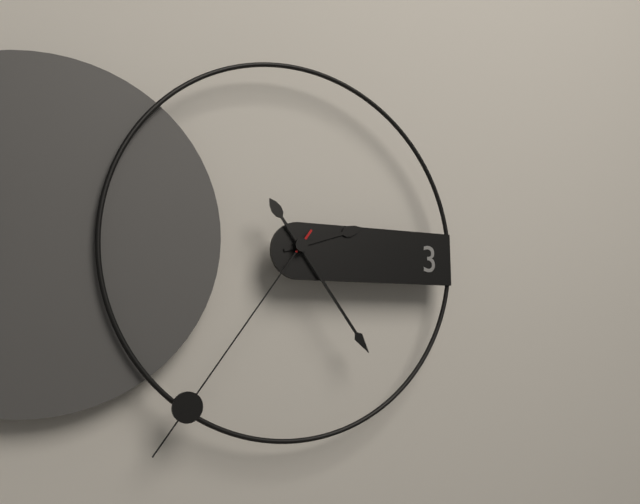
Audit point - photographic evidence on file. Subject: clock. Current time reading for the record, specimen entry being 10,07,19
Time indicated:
2,24,36
